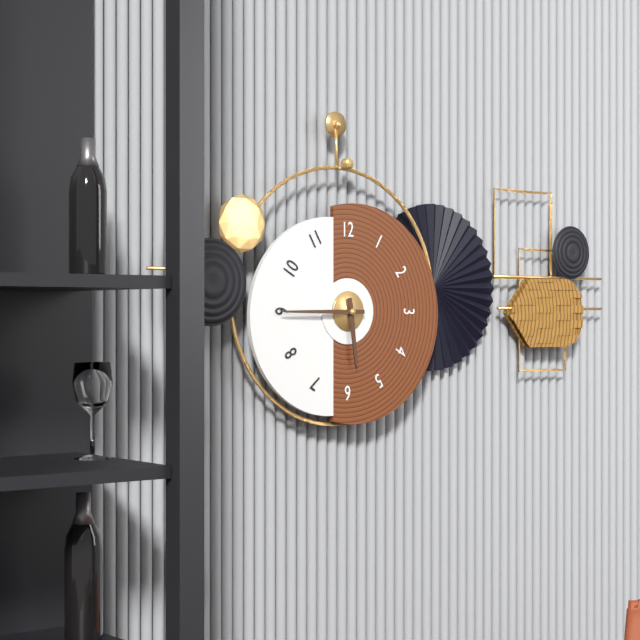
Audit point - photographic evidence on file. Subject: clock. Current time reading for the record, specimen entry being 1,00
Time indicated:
5,45
